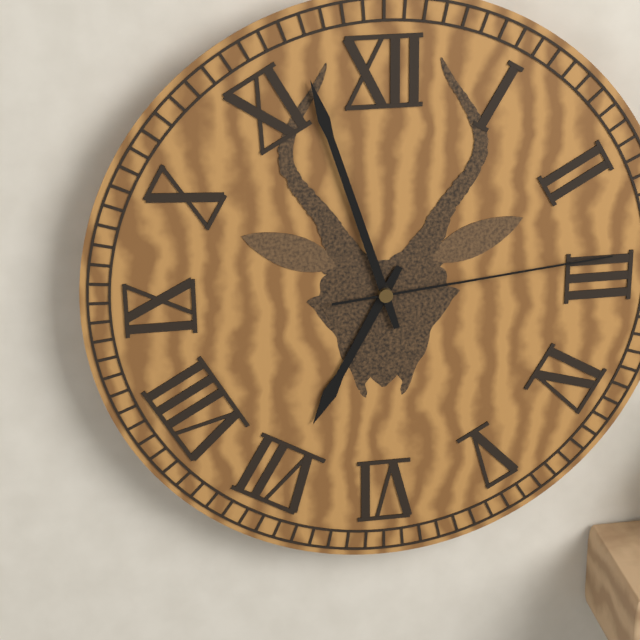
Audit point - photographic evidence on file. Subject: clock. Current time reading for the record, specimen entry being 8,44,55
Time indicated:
6,57,14
